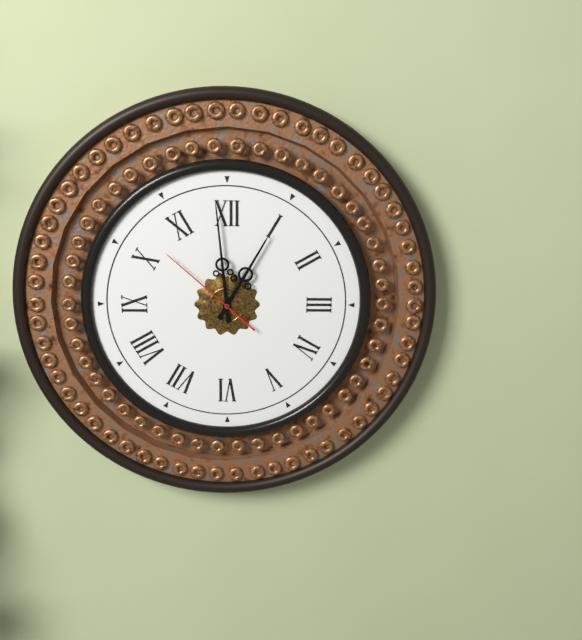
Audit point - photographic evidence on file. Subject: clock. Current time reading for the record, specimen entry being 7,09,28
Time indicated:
12,59,52
